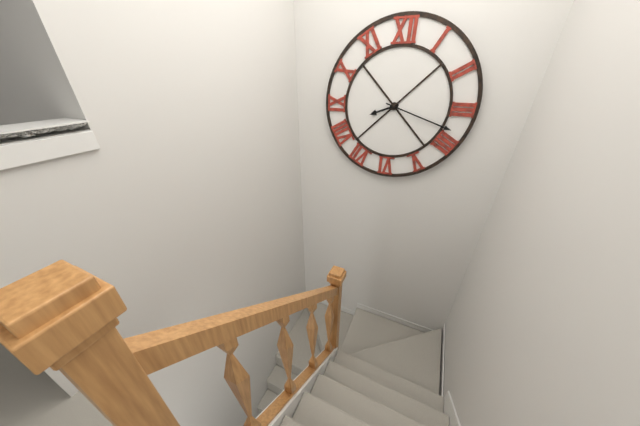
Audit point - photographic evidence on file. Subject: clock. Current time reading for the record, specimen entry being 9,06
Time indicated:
8,18
